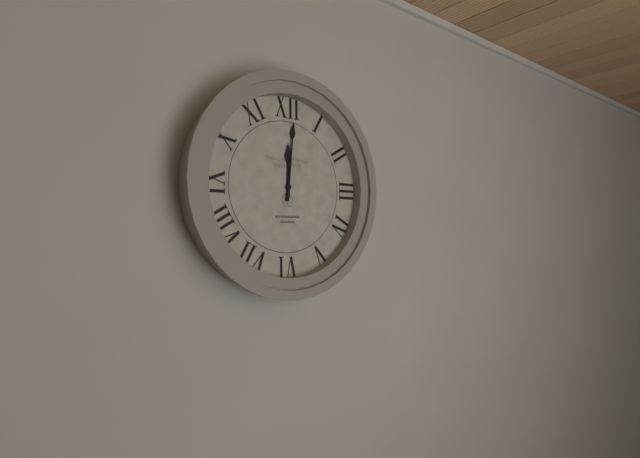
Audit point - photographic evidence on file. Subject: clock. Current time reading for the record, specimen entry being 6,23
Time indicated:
12,01
